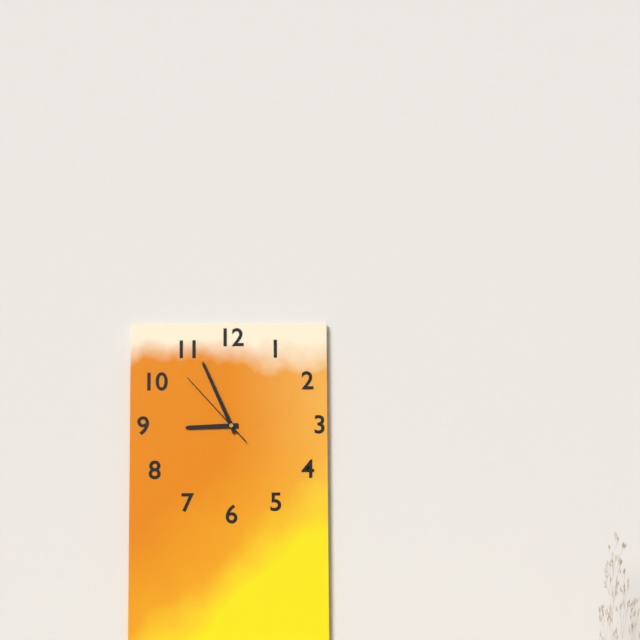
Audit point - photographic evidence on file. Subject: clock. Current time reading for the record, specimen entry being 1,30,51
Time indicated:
8,56,53
